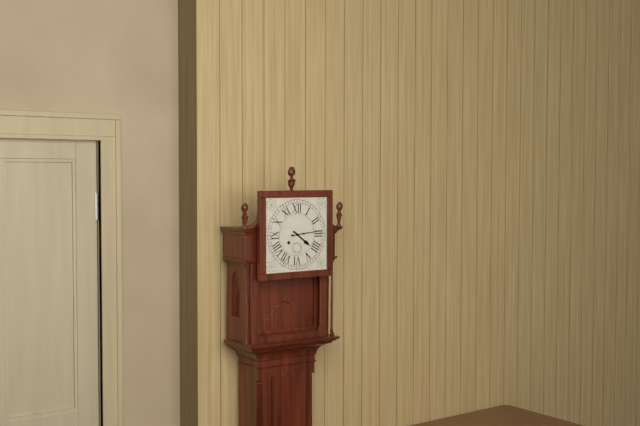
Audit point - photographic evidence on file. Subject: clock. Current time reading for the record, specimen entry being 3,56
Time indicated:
4,14
